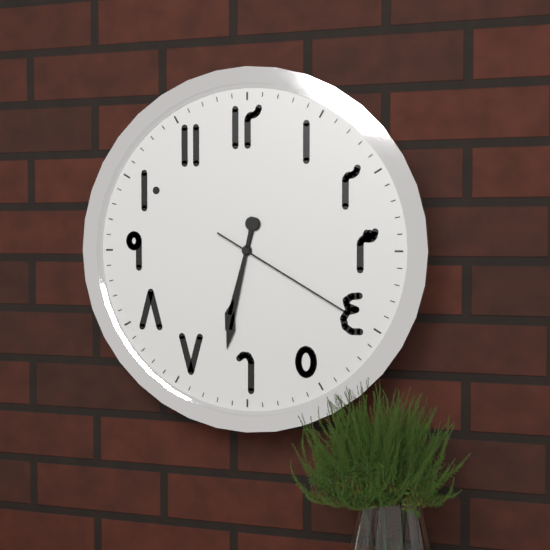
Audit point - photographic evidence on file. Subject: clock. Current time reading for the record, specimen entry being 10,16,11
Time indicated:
6,32,20
